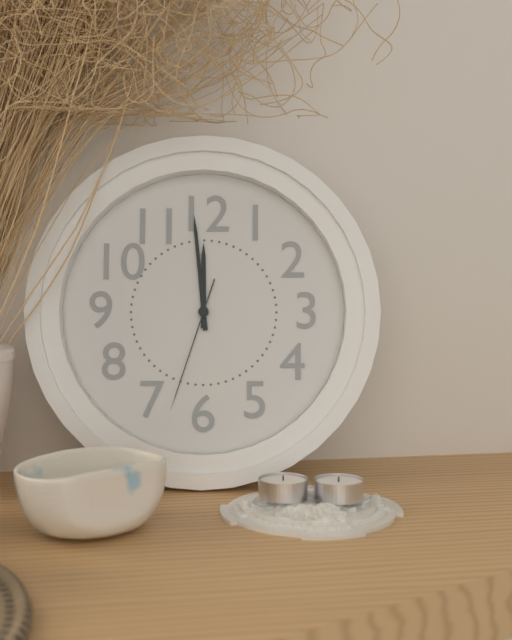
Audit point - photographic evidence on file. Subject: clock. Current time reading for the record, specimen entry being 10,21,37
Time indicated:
11,59,33
